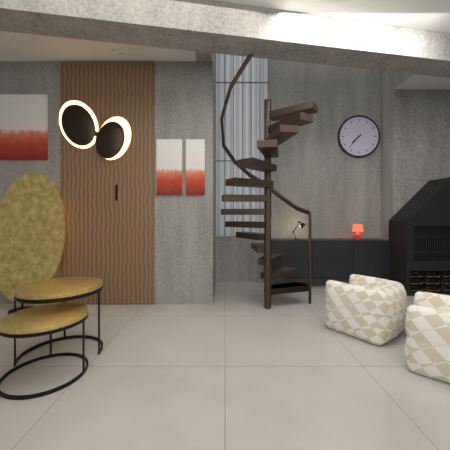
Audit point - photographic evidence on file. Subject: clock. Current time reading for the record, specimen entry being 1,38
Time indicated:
7,37
